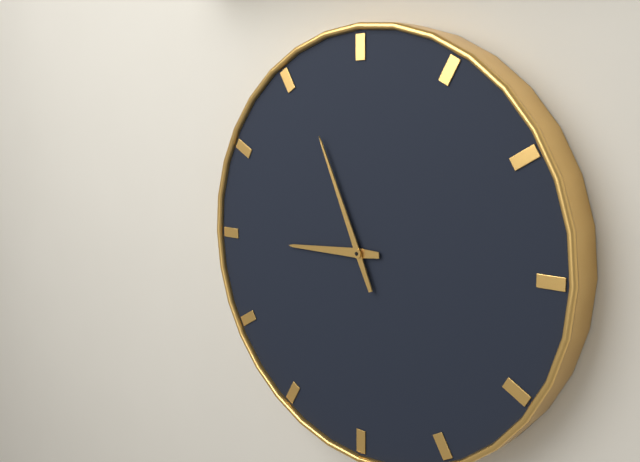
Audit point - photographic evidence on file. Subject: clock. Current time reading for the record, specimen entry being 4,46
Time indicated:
8,56
